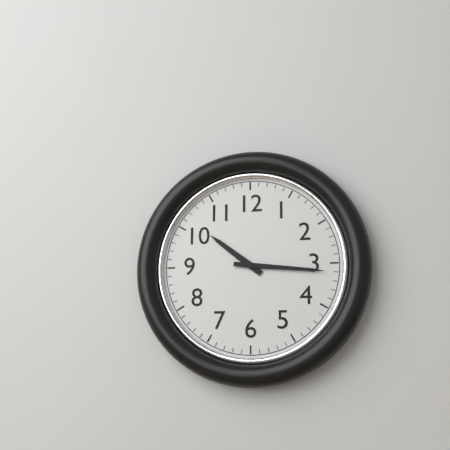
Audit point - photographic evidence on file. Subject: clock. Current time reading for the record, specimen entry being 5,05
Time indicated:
10,16
